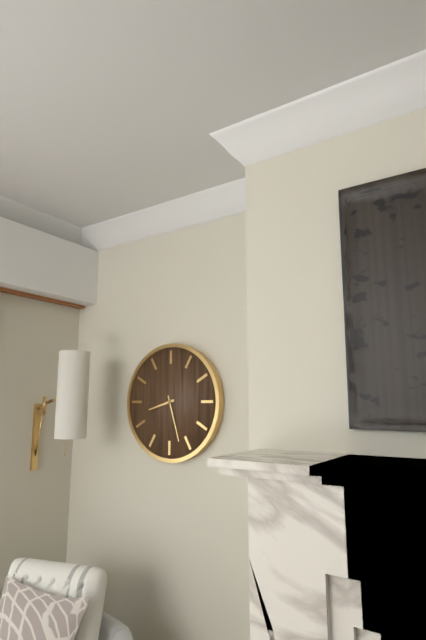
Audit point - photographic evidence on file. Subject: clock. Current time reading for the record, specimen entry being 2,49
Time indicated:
8,27
